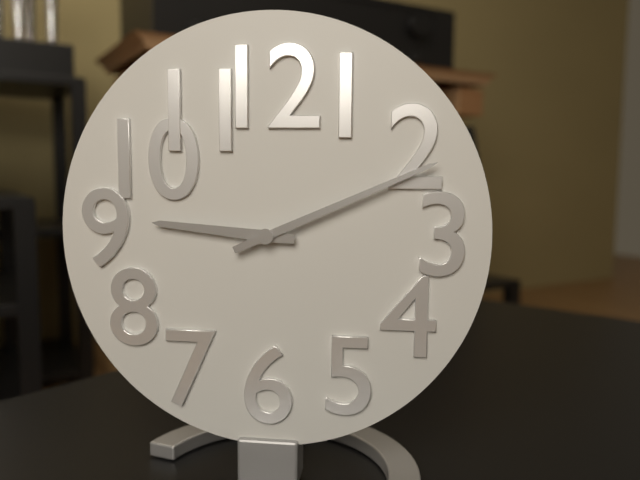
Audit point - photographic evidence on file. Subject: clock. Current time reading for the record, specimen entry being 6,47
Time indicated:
9,11
